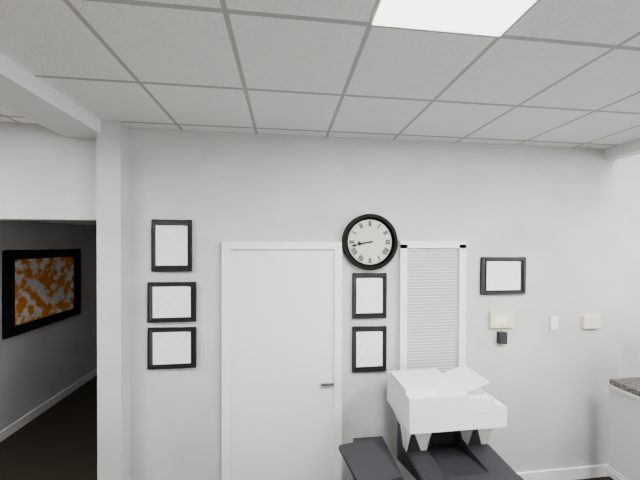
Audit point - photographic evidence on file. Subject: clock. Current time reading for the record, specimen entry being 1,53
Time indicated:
8,43
